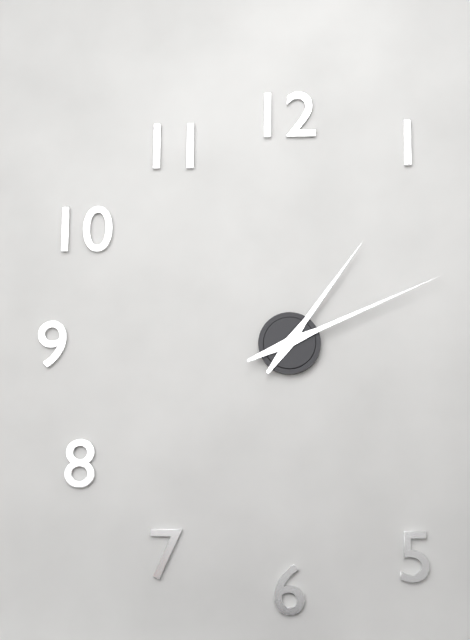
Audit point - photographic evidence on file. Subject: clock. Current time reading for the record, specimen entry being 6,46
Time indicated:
1,11
